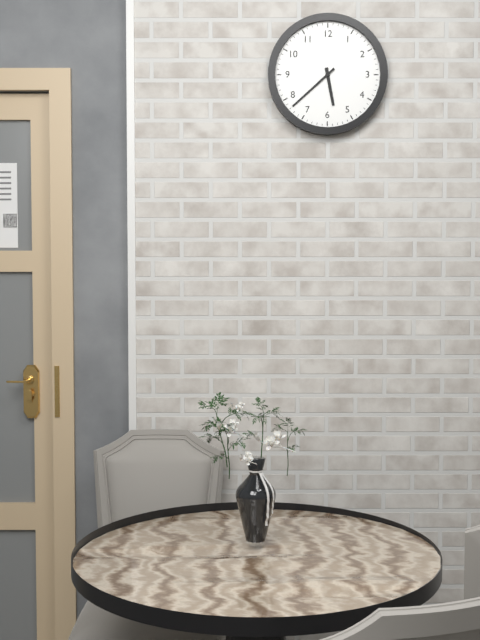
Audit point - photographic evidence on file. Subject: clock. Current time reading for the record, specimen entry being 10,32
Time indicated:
5,38
